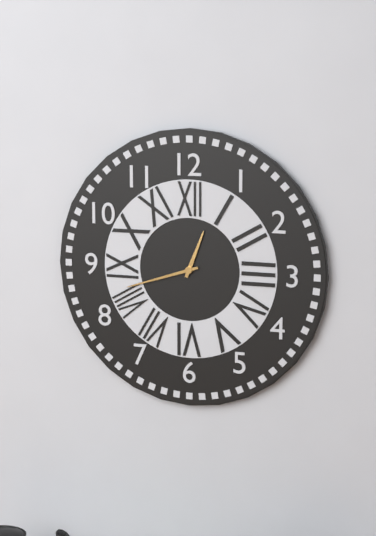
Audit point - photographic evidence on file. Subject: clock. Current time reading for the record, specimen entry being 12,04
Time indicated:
12,42
